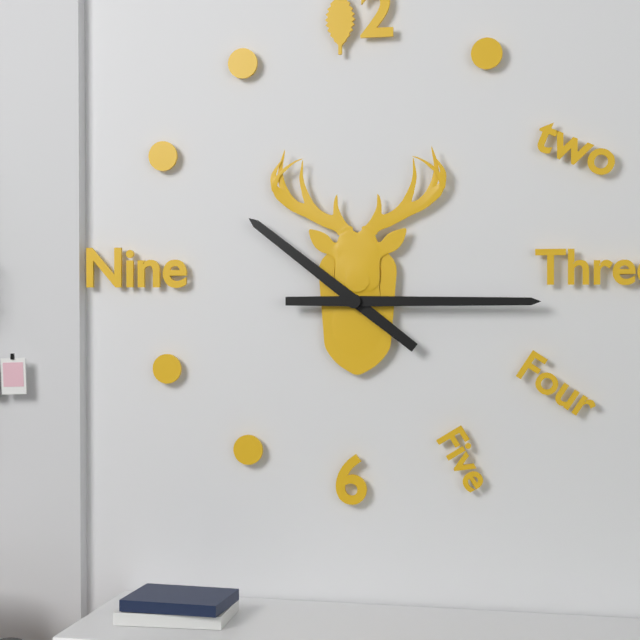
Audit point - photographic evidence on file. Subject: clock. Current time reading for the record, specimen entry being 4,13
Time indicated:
10,15
